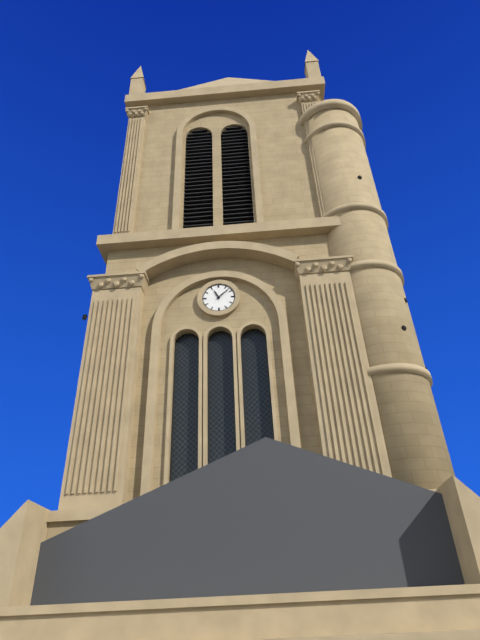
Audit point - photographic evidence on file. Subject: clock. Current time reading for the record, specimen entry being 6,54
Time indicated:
11,08
